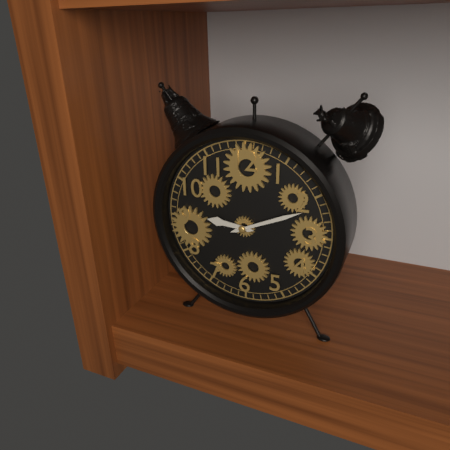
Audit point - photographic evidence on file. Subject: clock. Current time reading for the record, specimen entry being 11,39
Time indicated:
9,11
